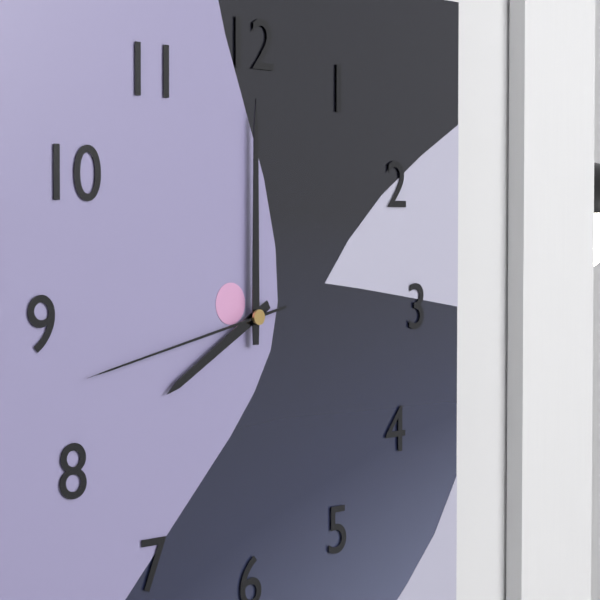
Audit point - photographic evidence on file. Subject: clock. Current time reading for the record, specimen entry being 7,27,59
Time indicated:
8,00,43
